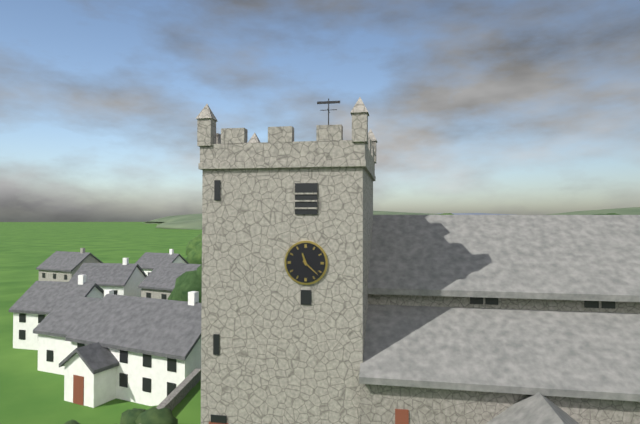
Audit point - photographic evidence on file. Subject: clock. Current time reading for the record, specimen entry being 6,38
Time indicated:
11,22
